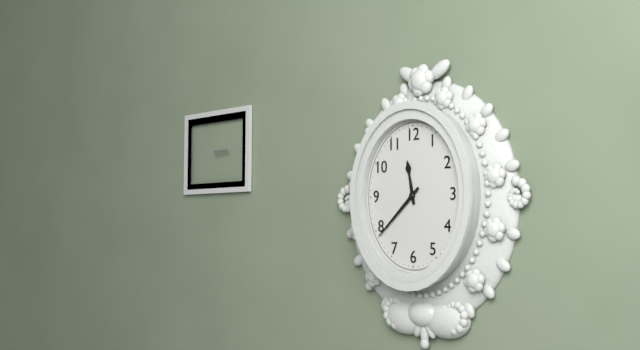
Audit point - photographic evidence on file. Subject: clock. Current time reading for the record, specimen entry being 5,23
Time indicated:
11,38
